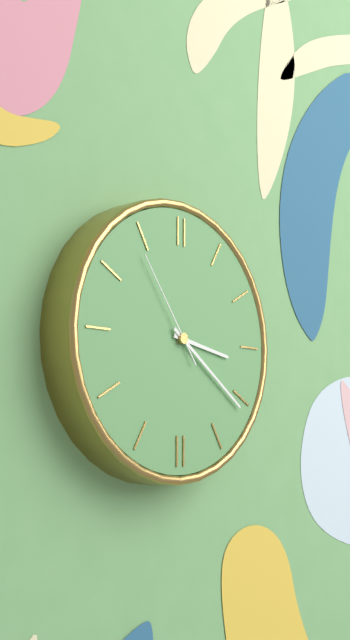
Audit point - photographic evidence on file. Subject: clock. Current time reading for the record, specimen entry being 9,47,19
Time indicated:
3,21,54
